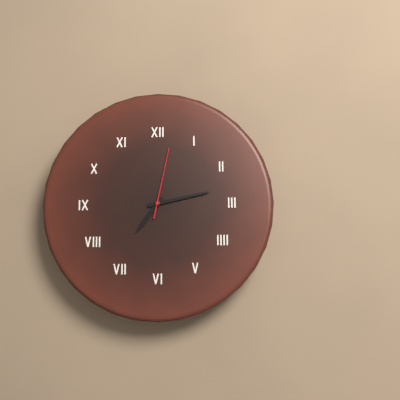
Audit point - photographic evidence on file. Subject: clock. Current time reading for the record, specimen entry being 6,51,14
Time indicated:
7,13,02
